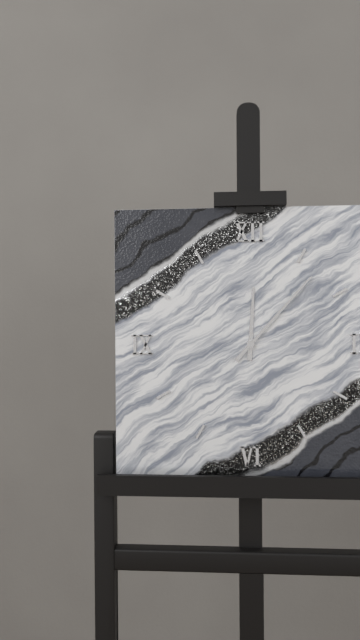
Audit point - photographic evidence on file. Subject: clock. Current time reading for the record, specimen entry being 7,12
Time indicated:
12,07
